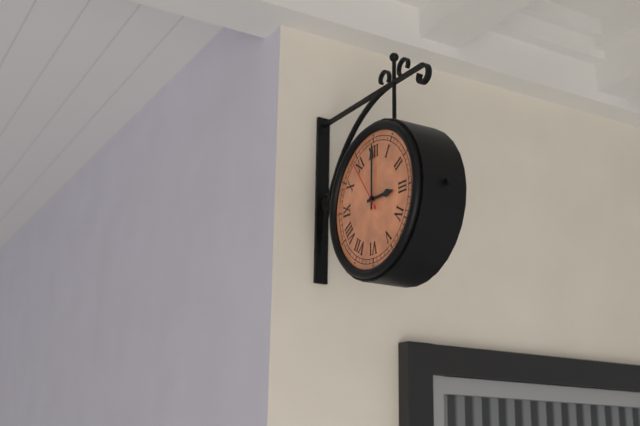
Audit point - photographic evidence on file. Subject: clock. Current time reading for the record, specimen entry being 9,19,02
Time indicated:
3,00,54
